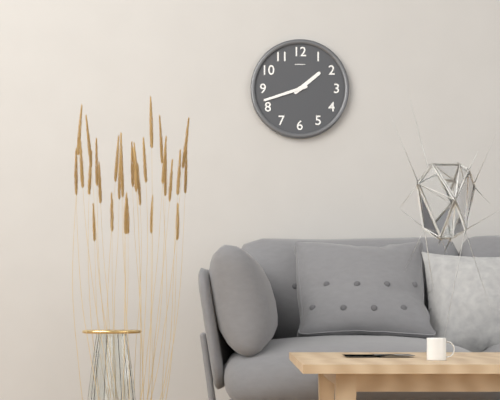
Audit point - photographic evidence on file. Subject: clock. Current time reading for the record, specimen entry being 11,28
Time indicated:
1,42
